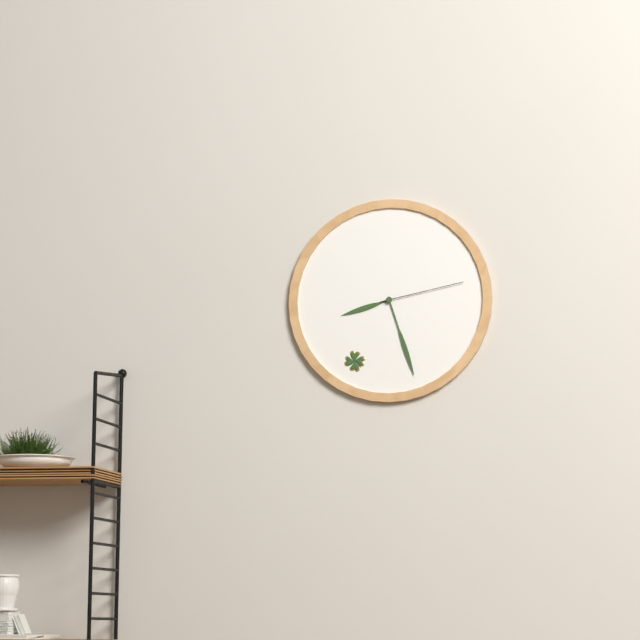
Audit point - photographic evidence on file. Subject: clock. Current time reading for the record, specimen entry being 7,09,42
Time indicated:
8,27,13
